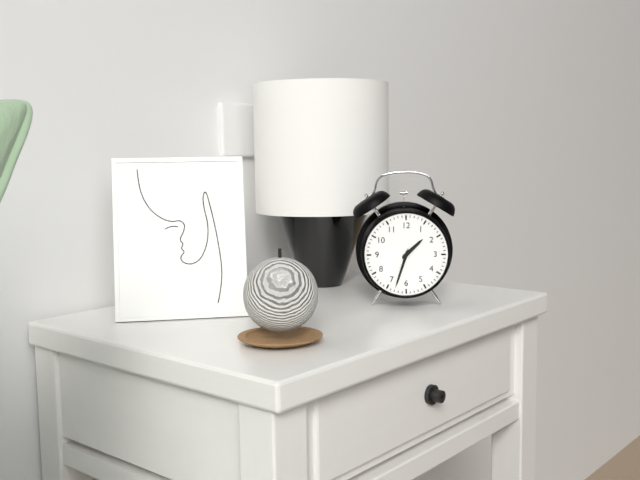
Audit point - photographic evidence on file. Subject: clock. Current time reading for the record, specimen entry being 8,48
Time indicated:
1,33
